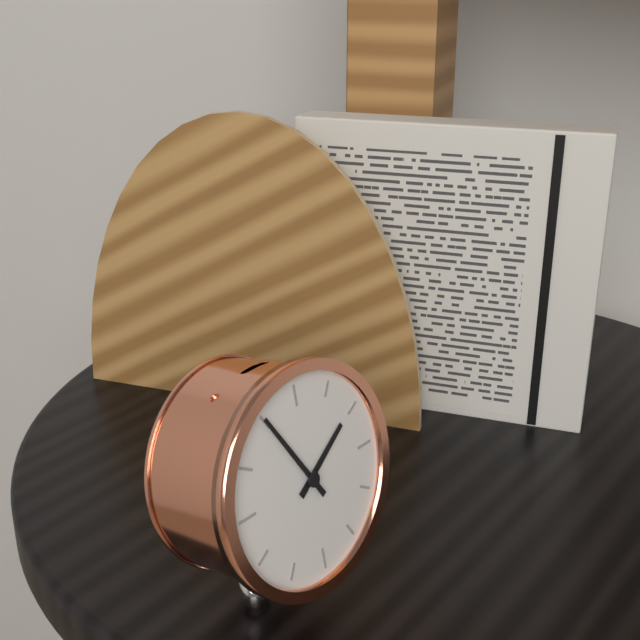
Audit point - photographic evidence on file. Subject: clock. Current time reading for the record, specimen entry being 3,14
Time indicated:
1,55
